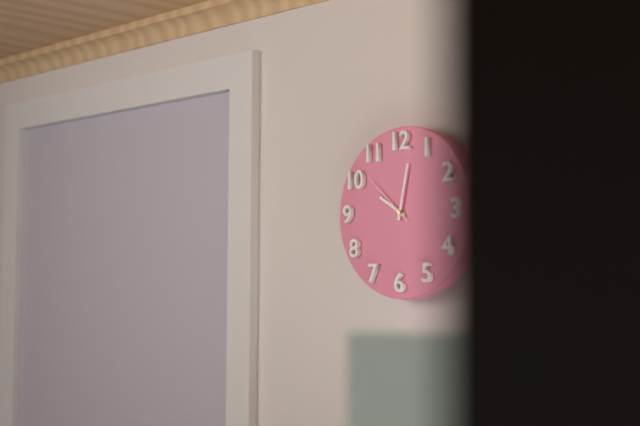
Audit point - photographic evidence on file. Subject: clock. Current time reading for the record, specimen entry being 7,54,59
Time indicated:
10,02,52
